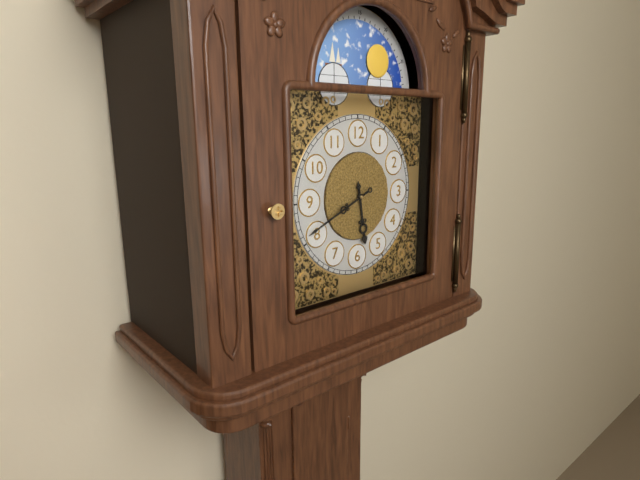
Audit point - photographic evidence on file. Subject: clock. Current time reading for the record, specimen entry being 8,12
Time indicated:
5,41
